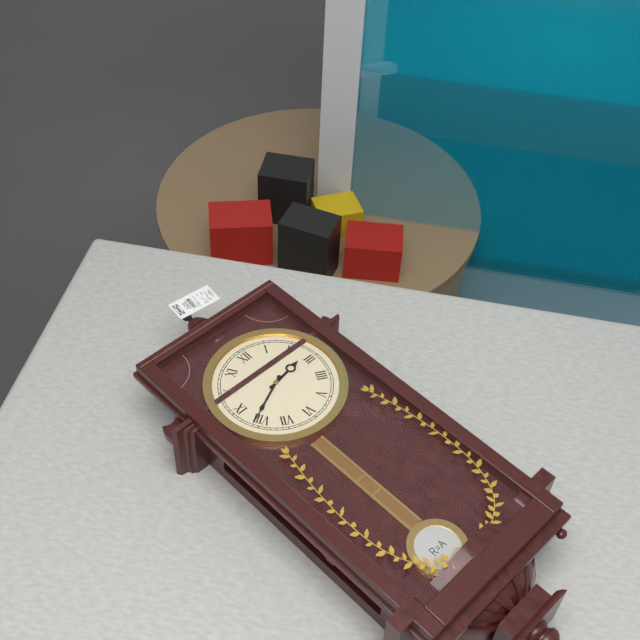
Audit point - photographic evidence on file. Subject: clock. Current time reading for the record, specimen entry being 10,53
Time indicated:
2,41
